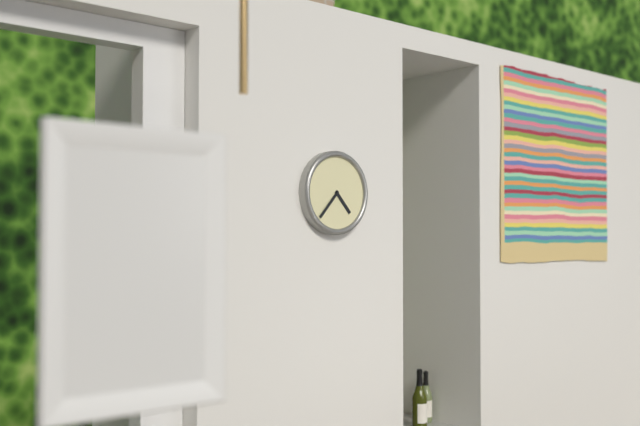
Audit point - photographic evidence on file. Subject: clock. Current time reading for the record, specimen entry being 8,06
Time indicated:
4,37
